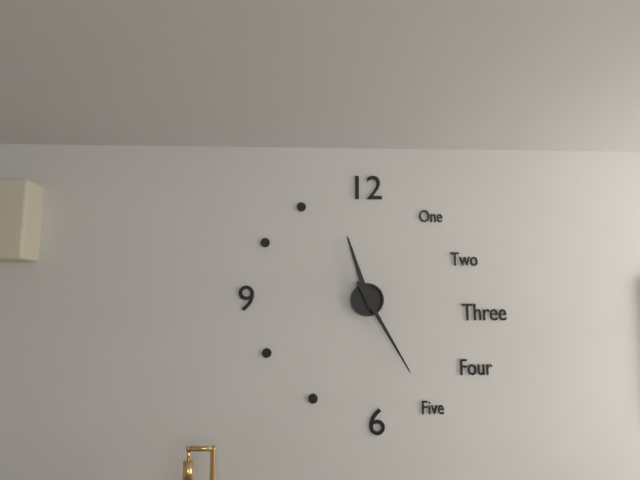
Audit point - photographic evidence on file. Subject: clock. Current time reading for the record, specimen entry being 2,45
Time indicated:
11,25
